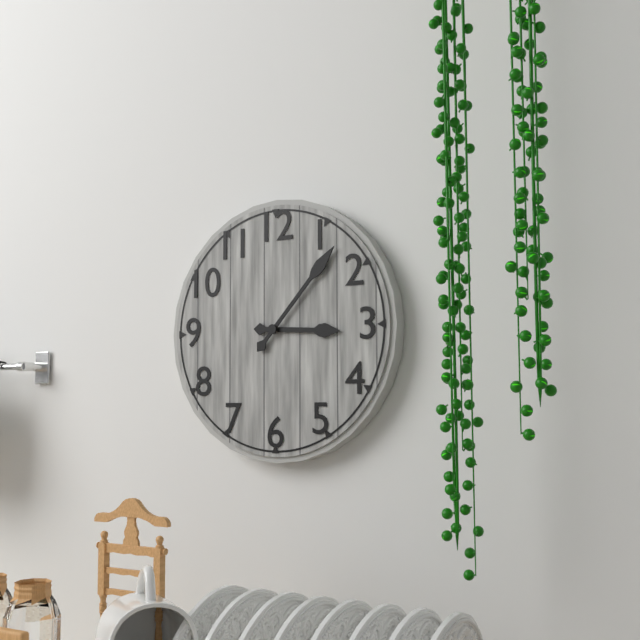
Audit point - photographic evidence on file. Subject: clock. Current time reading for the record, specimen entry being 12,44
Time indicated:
3,07
